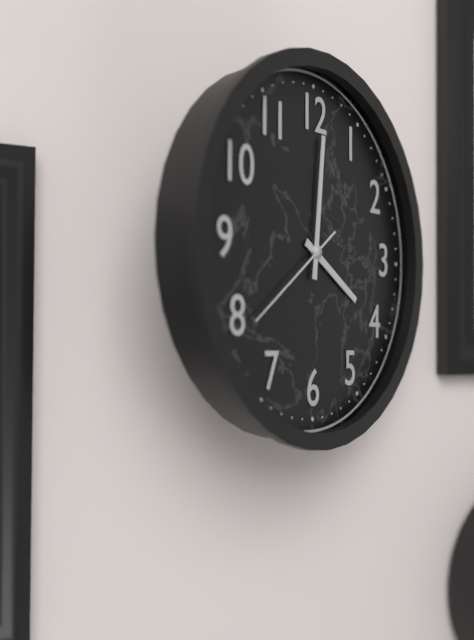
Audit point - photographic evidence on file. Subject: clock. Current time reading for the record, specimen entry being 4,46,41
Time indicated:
4,01,39
